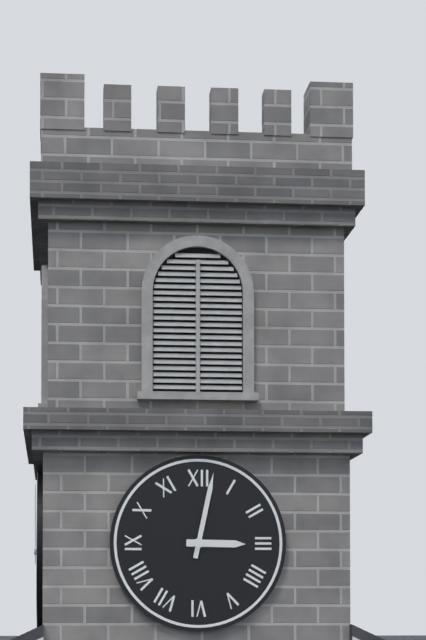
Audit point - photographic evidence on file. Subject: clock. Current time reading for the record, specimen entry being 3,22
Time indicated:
3,02
